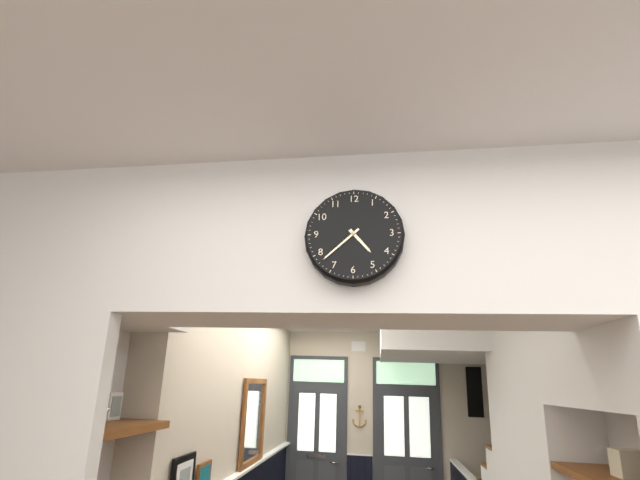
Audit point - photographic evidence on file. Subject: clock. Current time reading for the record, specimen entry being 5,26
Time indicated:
4,38
